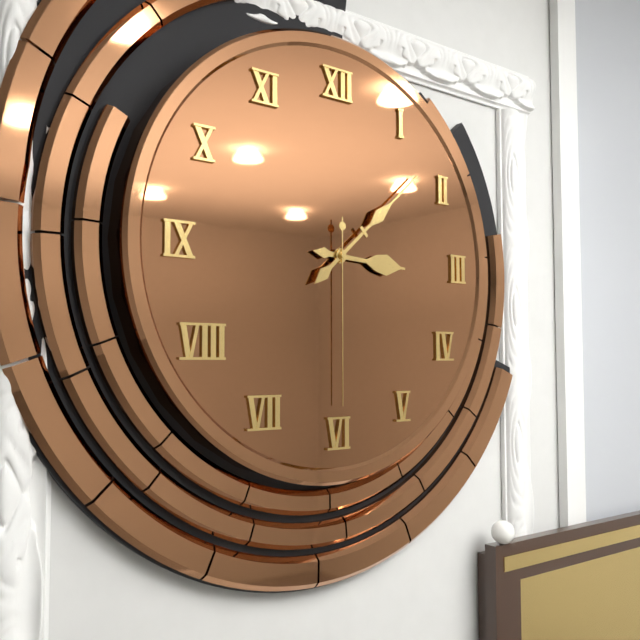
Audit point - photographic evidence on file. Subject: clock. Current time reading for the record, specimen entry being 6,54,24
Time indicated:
3,08,30
